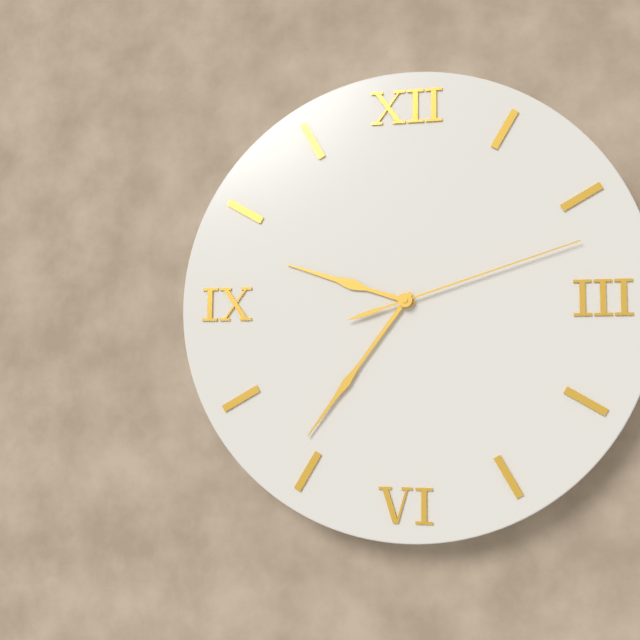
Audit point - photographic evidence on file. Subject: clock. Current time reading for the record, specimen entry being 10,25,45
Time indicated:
9,36,12
